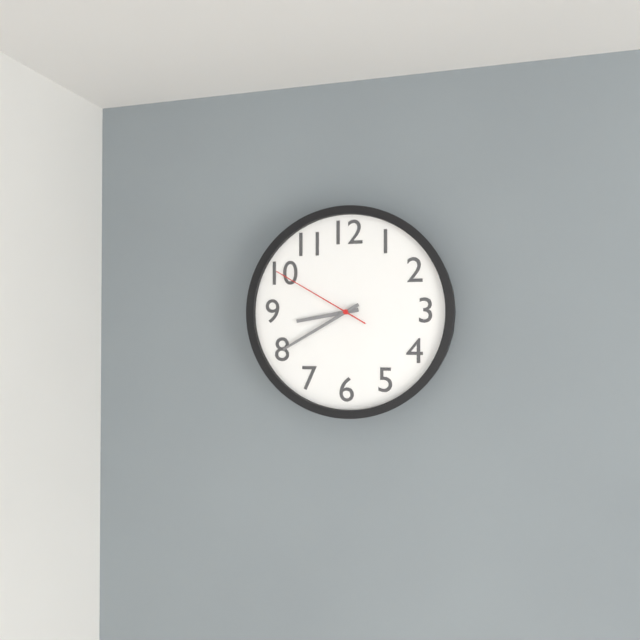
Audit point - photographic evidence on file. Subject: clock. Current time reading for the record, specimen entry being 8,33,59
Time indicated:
8,40,50
